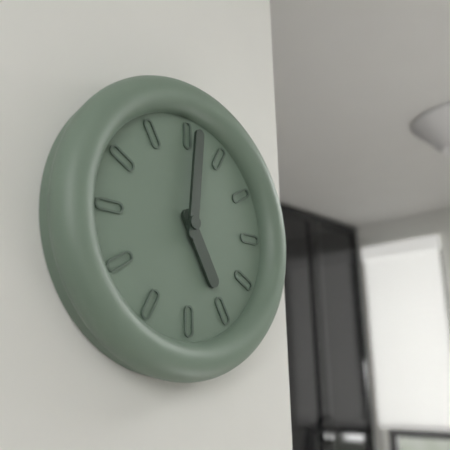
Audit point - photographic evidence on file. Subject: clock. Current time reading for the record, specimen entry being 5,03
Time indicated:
5,01
